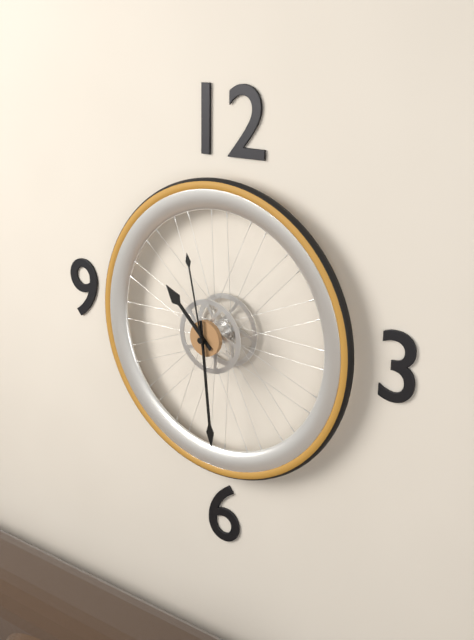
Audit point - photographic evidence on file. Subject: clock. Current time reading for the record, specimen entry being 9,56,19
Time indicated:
10,29,58
